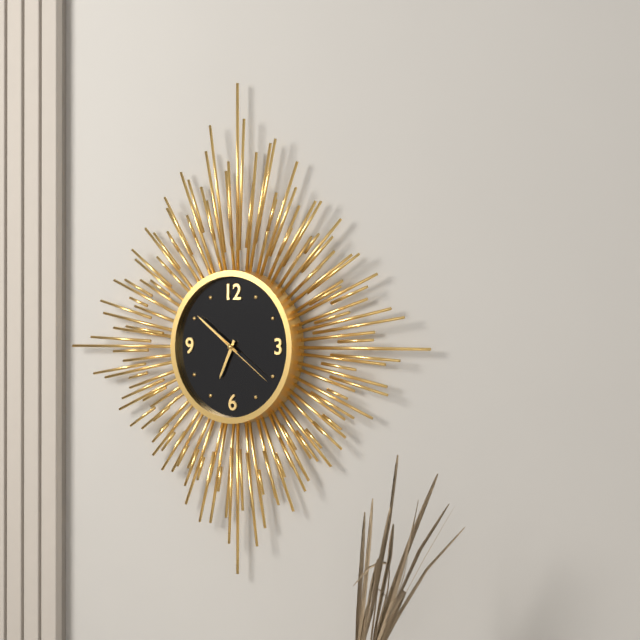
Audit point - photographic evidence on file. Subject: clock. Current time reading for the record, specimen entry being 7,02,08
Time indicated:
6,51,21
